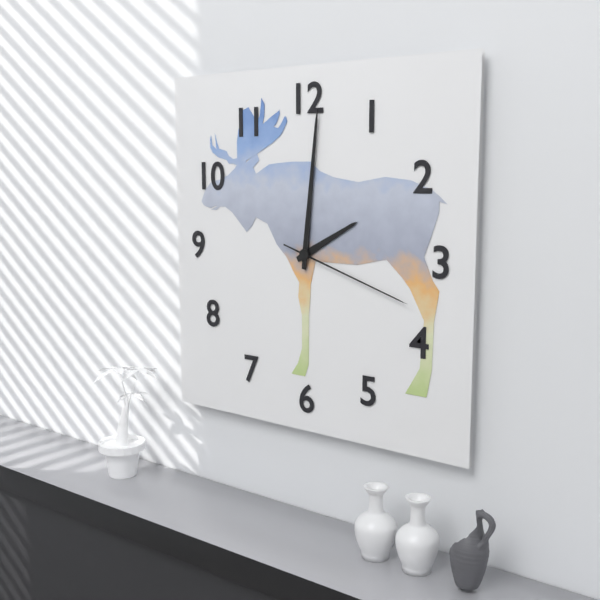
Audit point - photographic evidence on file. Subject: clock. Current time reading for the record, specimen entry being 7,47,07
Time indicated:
2,01,18
